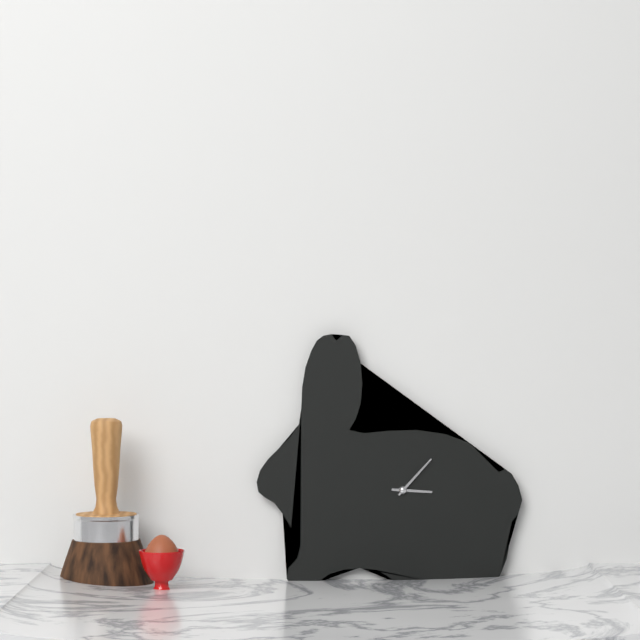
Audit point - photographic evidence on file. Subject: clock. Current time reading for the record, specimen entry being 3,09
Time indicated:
3,07
